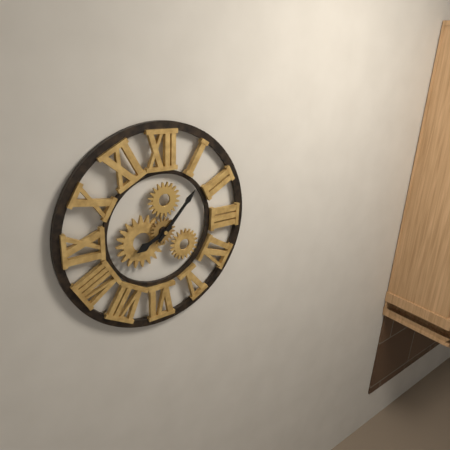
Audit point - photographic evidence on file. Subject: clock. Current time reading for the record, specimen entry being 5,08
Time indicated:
8,07
